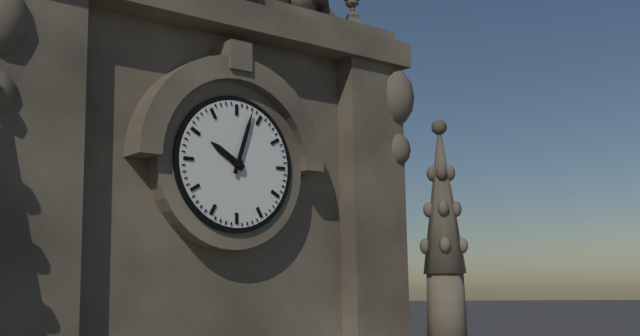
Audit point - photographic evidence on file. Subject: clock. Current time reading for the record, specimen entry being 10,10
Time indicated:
10,03
